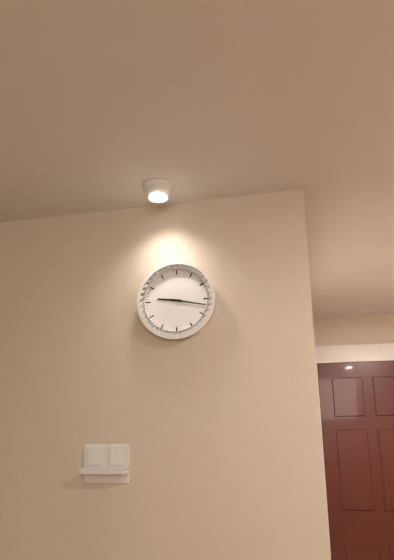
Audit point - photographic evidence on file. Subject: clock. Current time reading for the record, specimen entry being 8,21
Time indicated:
9,17
